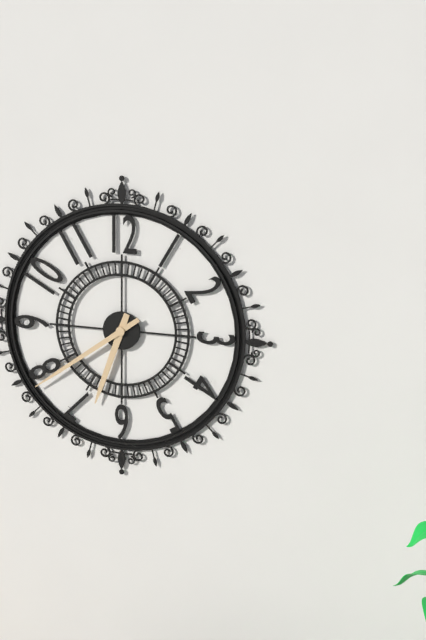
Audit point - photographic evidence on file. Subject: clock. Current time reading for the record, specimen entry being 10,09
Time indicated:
6,39
